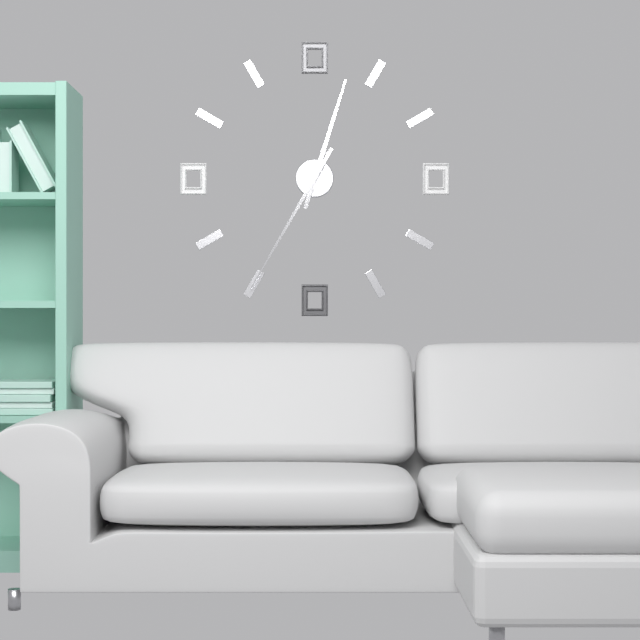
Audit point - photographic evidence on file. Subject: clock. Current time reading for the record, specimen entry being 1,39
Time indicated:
12,35
